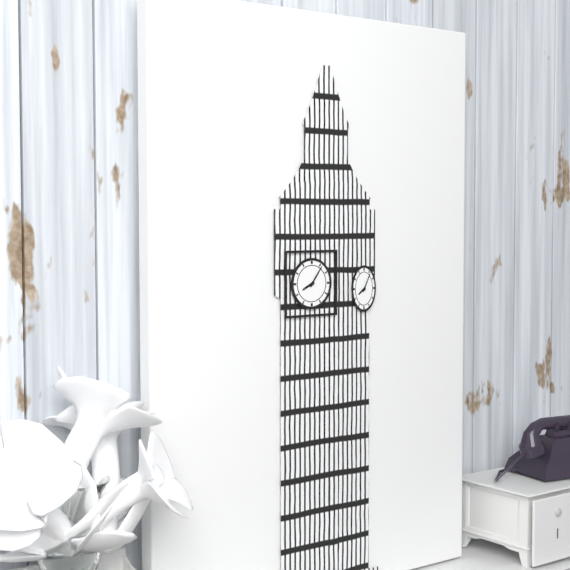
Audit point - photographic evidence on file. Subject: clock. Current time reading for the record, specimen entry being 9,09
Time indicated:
8,06
